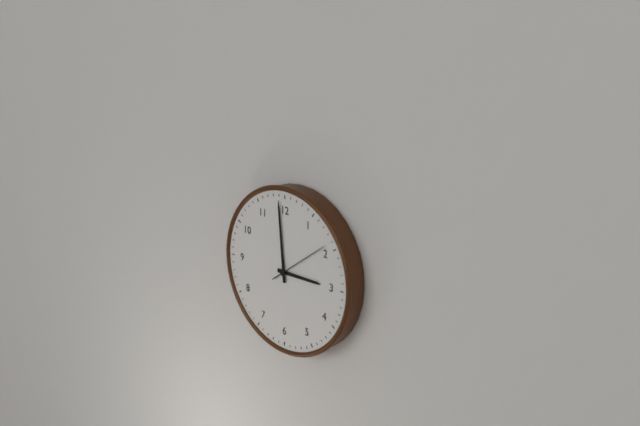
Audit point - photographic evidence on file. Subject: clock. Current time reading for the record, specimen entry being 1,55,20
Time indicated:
2,59,09
